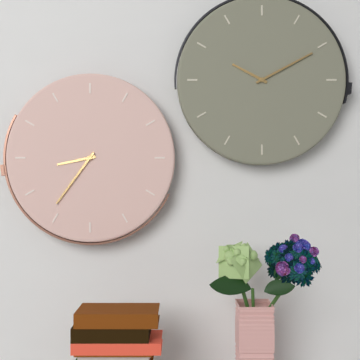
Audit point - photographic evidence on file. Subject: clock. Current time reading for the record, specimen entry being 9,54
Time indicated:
8,36
